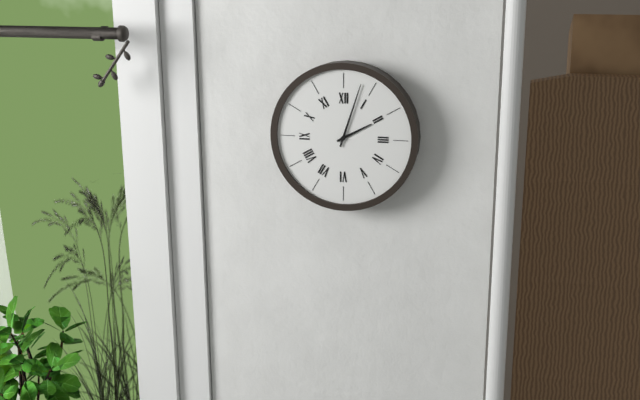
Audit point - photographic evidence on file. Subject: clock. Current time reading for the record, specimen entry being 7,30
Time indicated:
2,03
